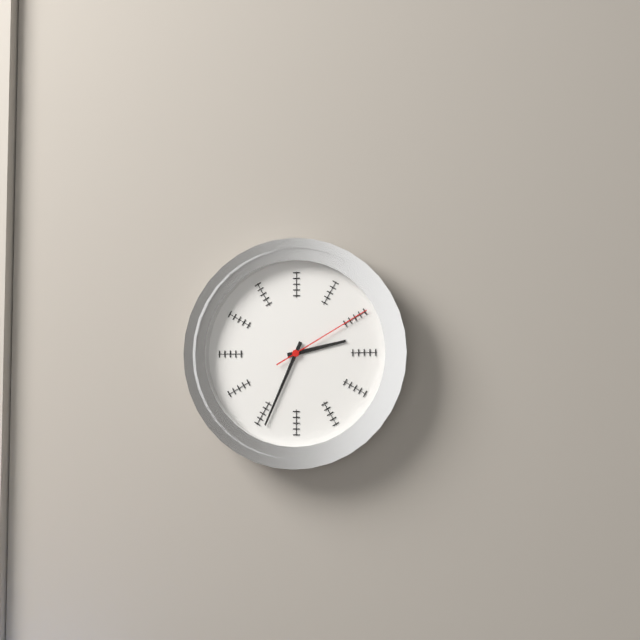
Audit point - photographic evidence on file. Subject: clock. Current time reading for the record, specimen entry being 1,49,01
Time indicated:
2,34,10
